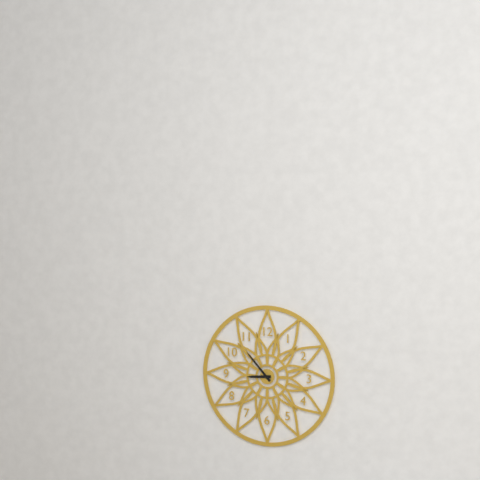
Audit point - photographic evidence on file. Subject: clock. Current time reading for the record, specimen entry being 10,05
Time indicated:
8,53
